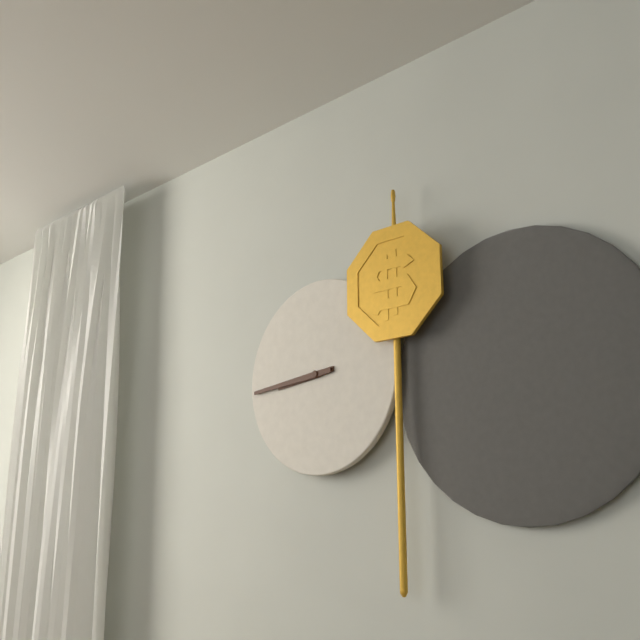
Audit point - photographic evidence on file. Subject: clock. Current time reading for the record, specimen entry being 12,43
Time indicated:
8,44
